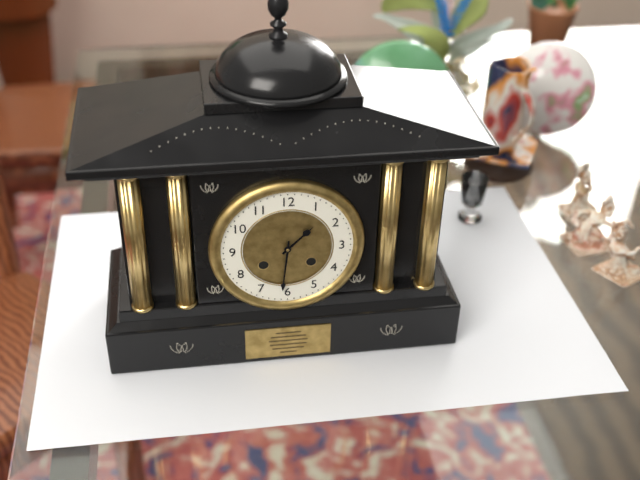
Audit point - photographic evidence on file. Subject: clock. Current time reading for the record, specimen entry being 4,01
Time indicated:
1,31
